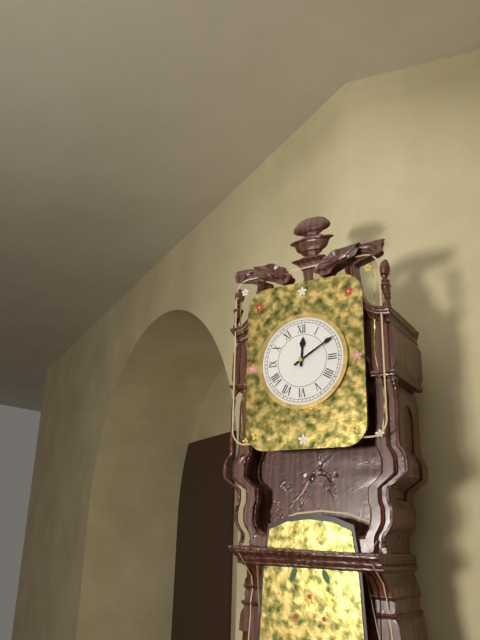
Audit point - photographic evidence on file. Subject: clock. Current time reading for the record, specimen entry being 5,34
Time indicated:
12,10
